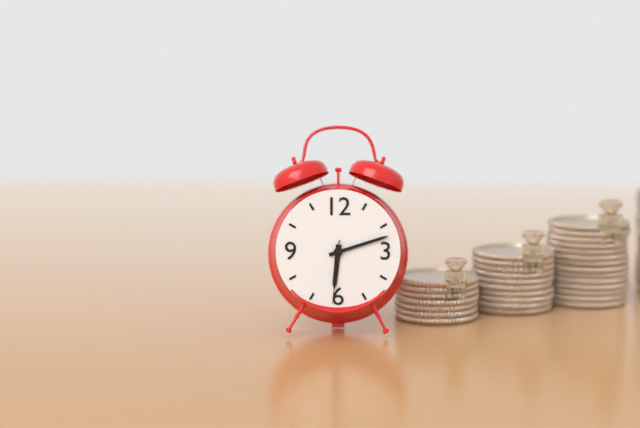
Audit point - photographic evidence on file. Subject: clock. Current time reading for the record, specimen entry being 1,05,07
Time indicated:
6,12,31
